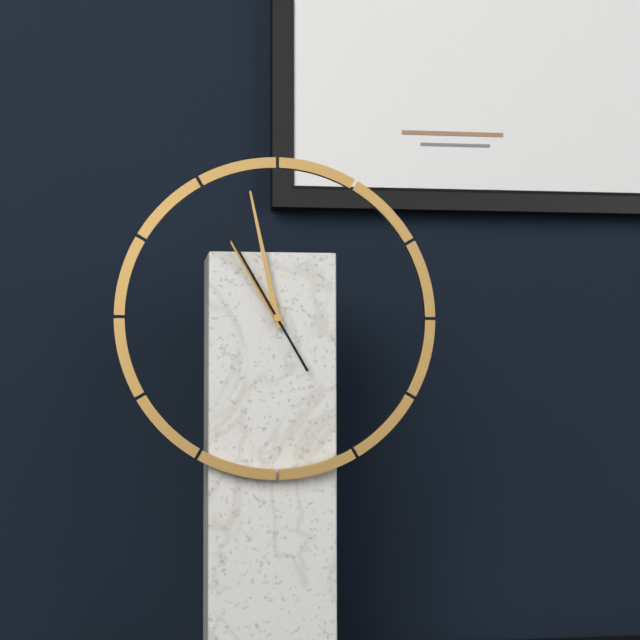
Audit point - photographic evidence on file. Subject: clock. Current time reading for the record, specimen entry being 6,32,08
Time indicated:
10,58,55
